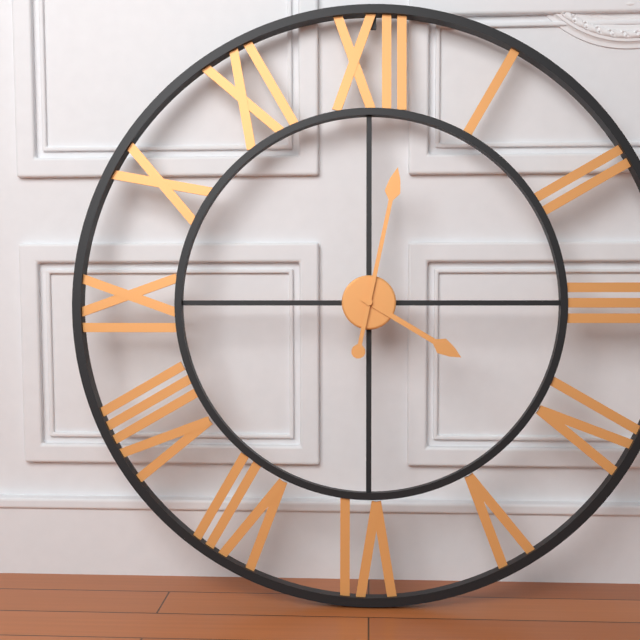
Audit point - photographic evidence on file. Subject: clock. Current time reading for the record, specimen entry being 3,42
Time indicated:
4,02
